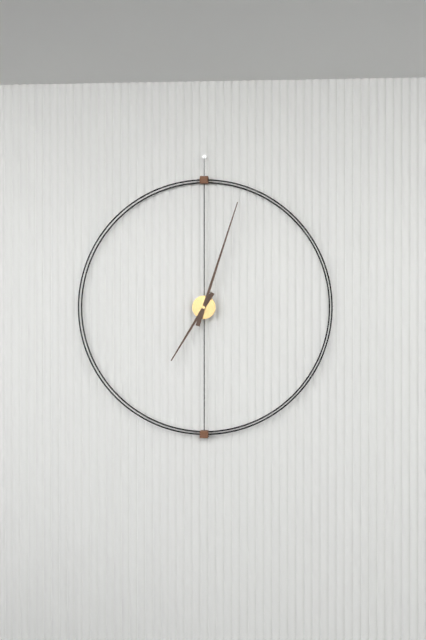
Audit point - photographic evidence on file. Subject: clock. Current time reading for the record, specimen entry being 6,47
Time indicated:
7,03
